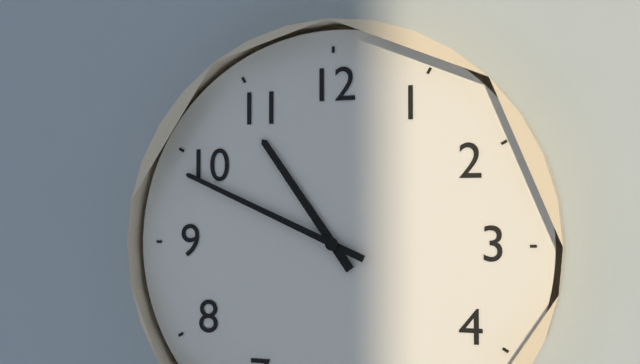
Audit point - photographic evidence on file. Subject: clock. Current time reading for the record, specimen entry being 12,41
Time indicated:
10,49
